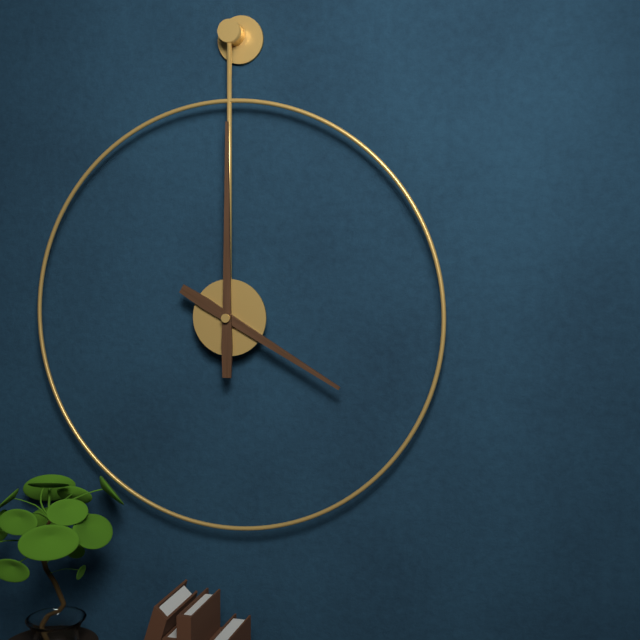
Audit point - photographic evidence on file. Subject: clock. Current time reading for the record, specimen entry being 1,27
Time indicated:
4,00
